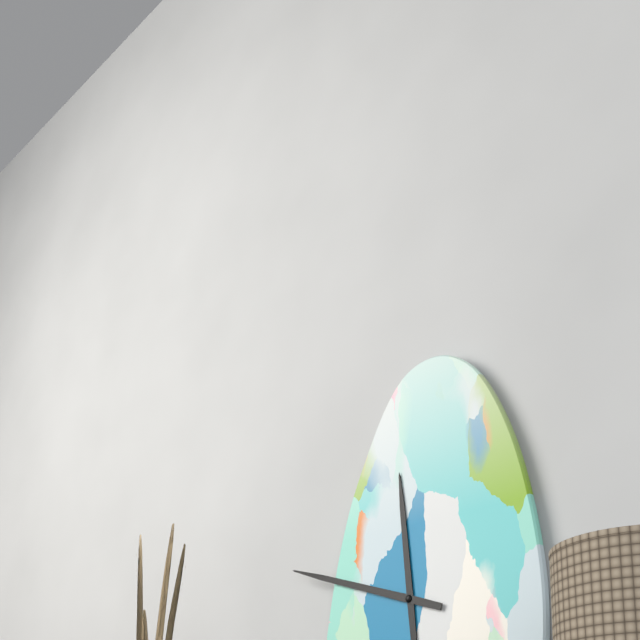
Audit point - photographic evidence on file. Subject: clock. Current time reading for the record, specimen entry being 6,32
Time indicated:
11,48
